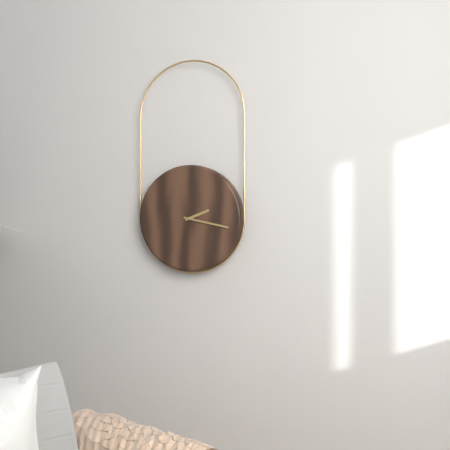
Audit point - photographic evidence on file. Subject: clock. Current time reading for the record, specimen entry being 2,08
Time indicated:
2,17
